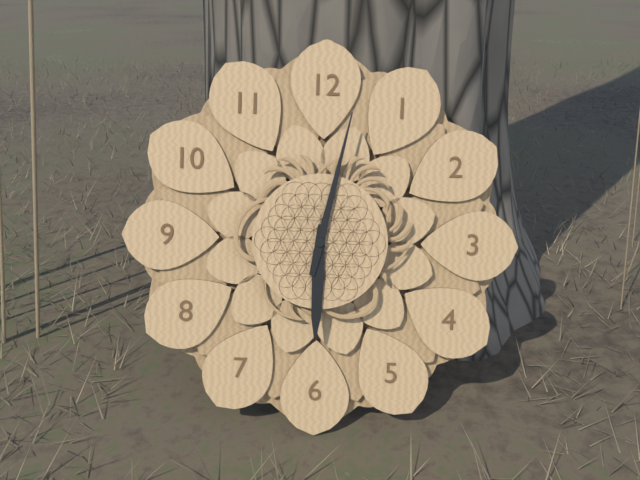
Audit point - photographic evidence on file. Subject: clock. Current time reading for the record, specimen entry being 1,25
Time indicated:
6,02
